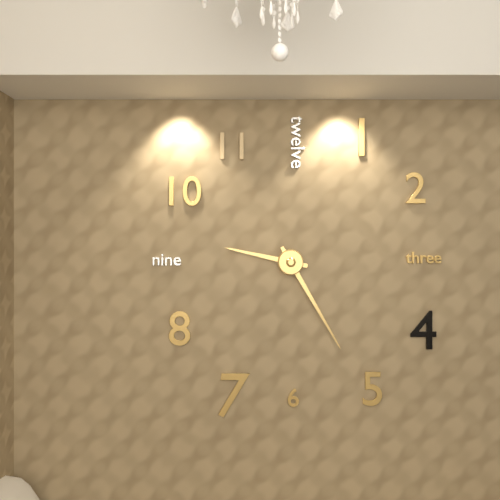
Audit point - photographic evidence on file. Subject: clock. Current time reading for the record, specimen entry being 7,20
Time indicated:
9,25
